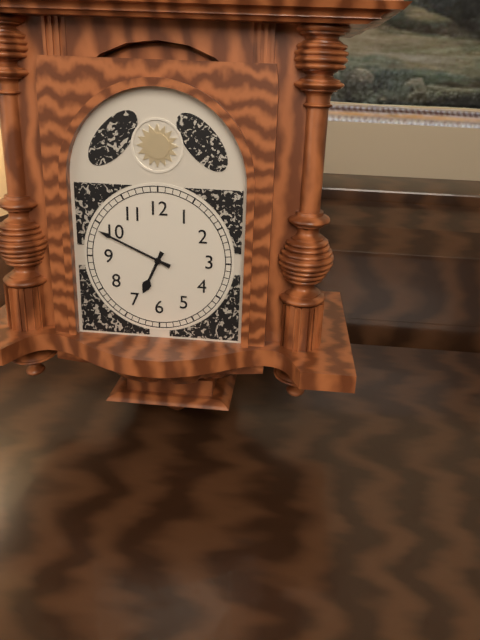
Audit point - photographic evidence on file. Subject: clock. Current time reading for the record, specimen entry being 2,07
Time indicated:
6,49
